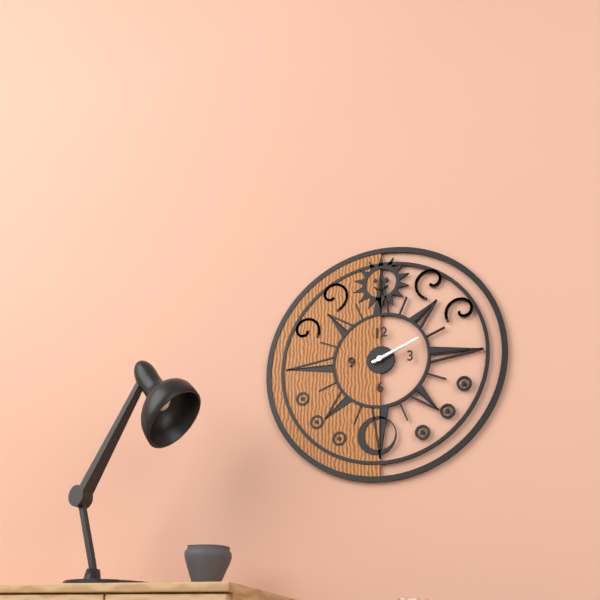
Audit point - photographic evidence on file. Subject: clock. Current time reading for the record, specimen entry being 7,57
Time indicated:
2,11
